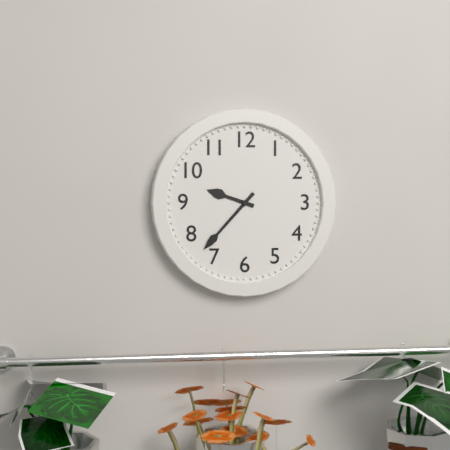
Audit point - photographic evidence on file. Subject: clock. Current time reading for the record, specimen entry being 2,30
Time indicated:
9,37
